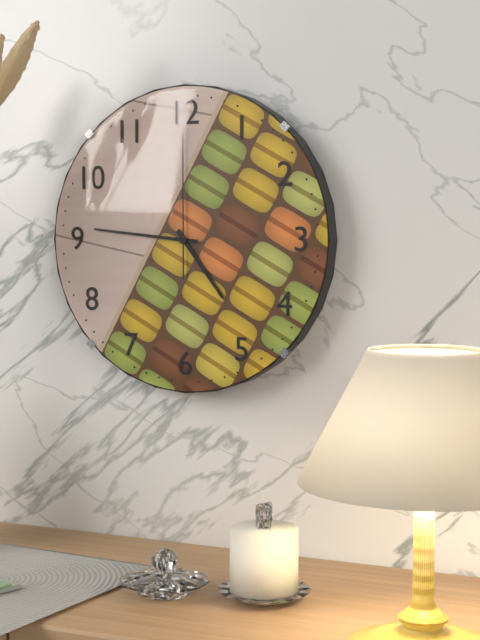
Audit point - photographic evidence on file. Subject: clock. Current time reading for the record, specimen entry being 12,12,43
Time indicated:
4,46,00
